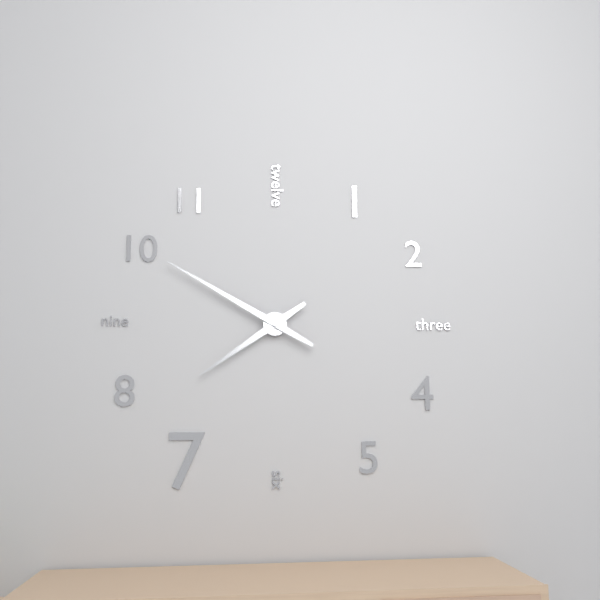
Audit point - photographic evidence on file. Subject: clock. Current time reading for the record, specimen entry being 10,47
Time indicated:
7,50
